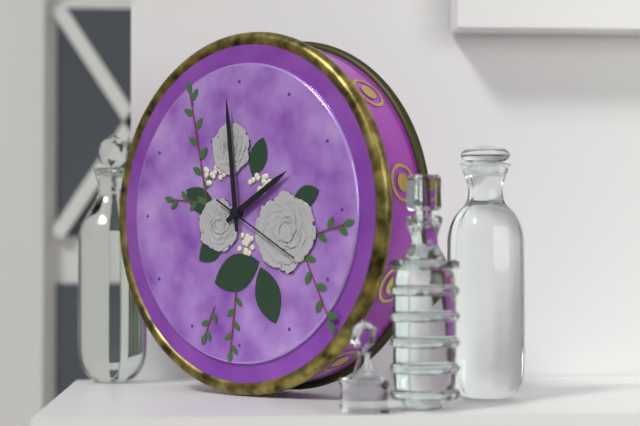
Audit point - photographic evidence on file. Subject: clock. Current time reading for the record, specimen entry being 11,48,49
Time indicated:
1,59,20
